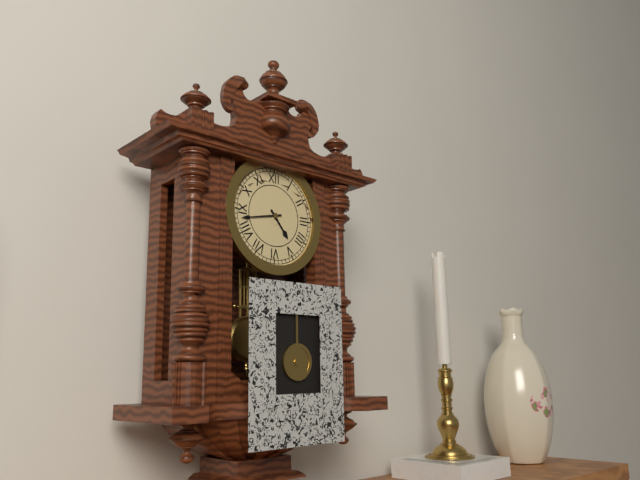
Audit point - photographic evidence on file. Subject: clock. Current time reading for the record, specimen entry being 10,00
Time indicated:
4,43
